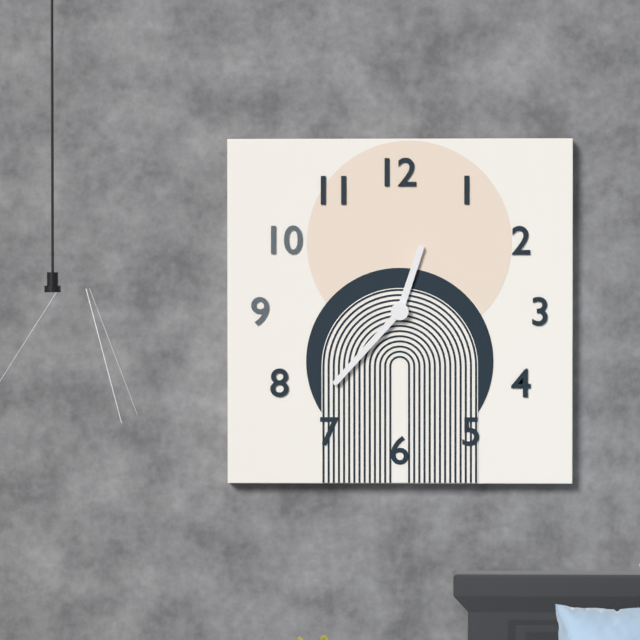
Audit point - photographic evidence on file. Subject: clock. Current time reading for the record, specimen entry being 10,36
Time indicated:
12,37
